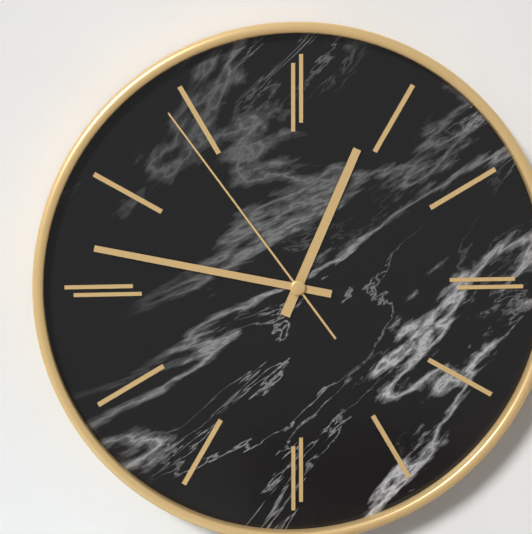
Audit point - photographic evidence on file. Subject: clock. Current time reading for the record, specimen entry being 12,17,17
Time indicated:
12,47,54
